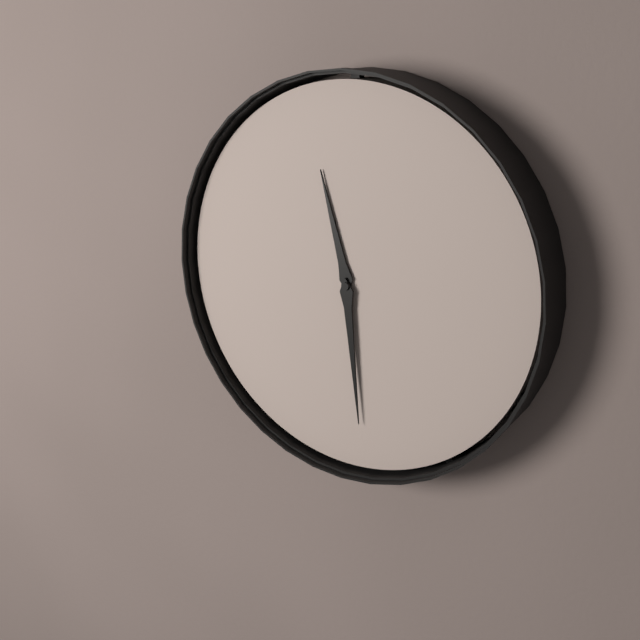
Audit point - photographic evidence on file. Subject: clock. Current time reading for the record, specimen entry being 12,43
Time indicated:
11,29
